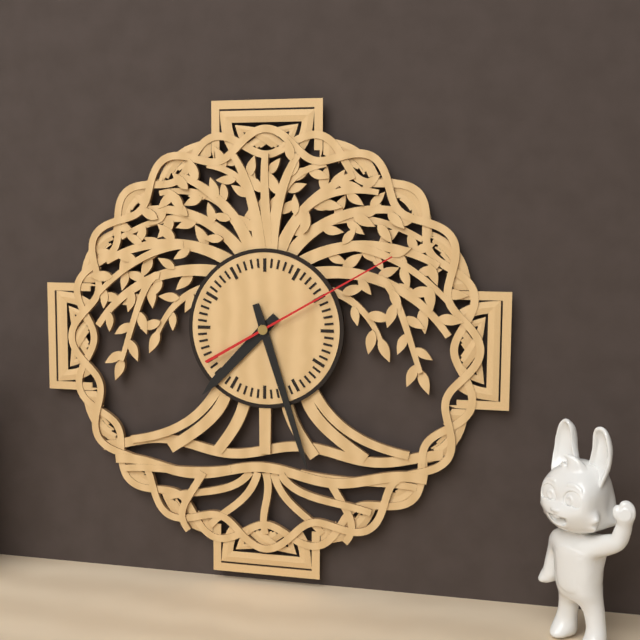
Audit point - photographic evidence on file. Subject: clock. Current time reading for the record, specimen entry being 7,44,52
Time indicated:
7,27,10
